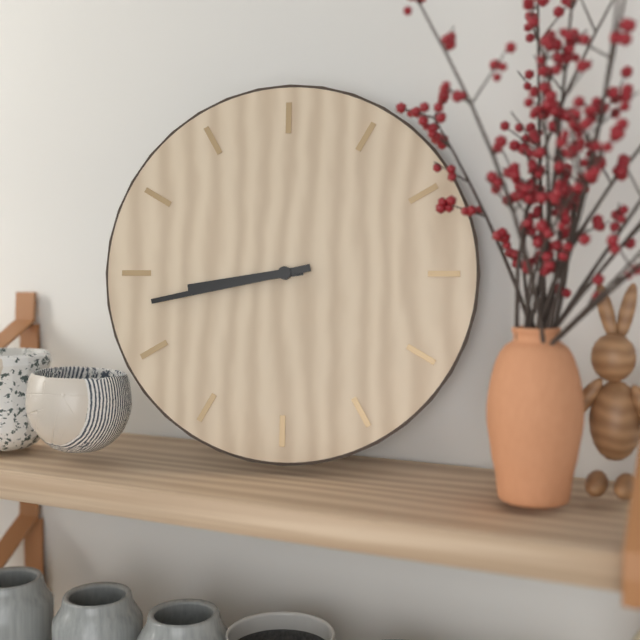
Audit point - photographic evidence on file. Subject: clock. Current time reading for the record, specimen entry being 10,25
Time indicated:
8,43
